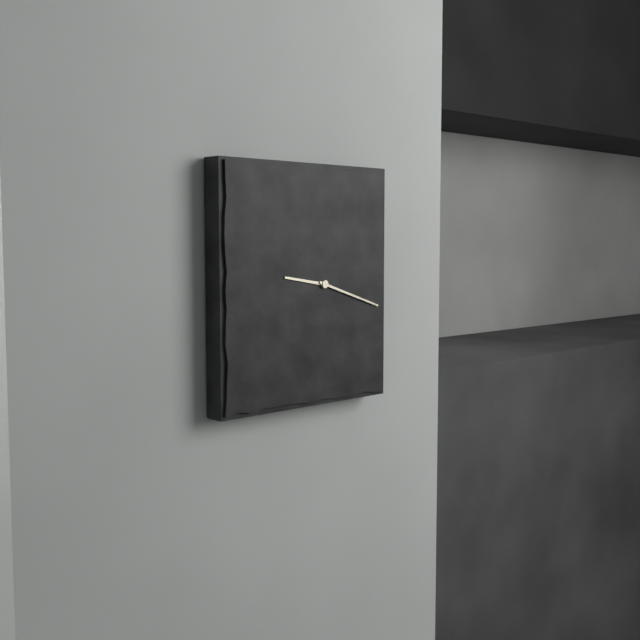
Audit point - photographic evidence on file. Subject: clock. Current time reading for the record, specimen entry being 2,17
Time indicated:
9,18
